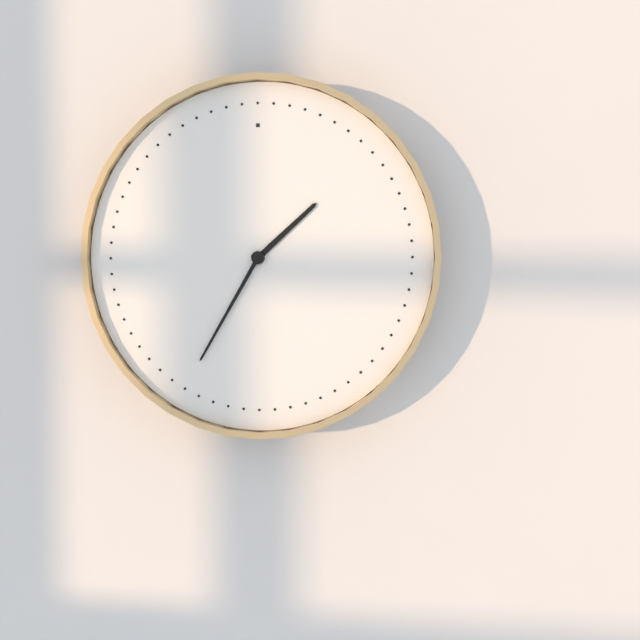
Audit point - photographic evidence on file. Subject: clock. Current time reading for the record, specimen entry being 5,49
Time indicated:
1,35
